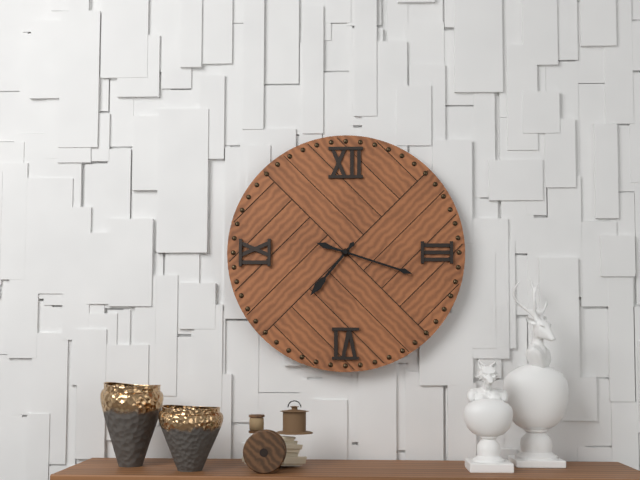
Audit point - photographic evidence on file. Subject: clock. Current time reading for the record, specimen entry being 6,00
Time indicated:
7,18
